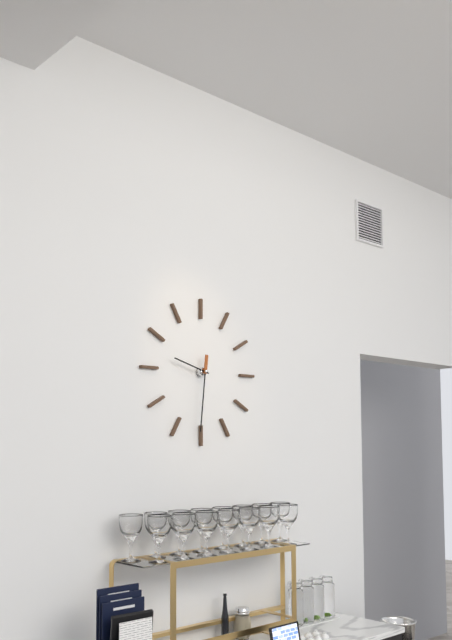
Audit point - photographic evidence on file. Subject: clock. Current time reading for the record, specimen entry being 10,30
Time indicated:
9,31
